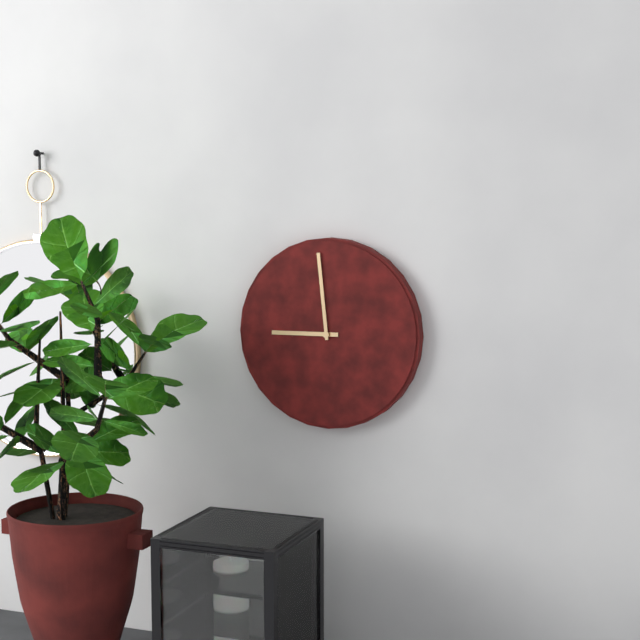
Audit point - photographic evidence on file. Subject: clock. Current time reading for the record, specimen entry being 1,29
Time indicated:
8,59
